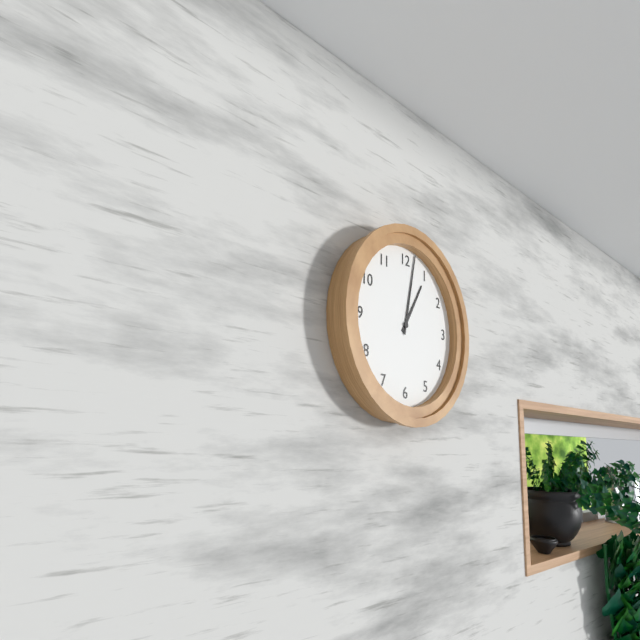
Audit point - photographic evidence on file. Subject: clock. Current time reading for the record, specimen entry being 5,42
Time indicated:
1,02
